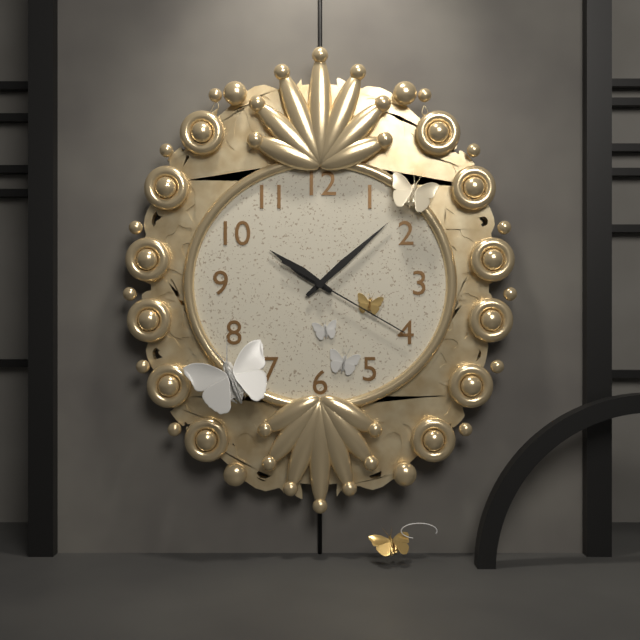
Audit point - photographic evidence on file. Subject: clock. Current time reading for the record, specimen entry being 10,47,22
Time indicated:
10,08,20
